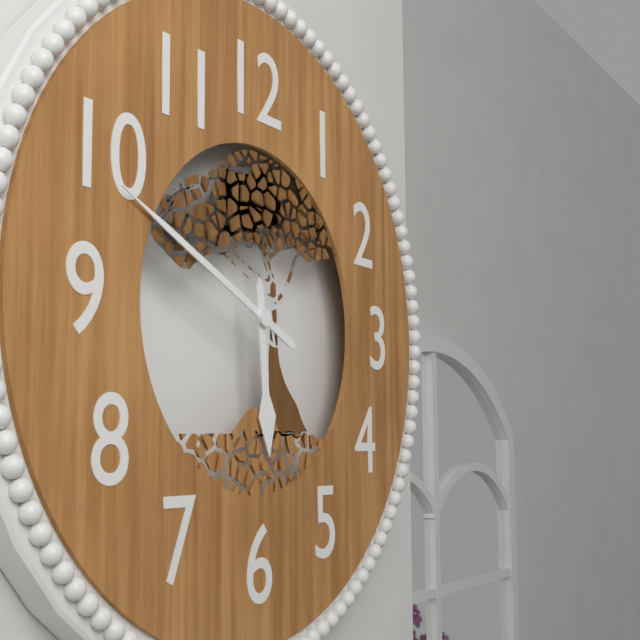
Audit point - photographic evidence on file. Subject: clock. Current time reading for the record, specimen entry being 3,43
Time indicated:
5,49
